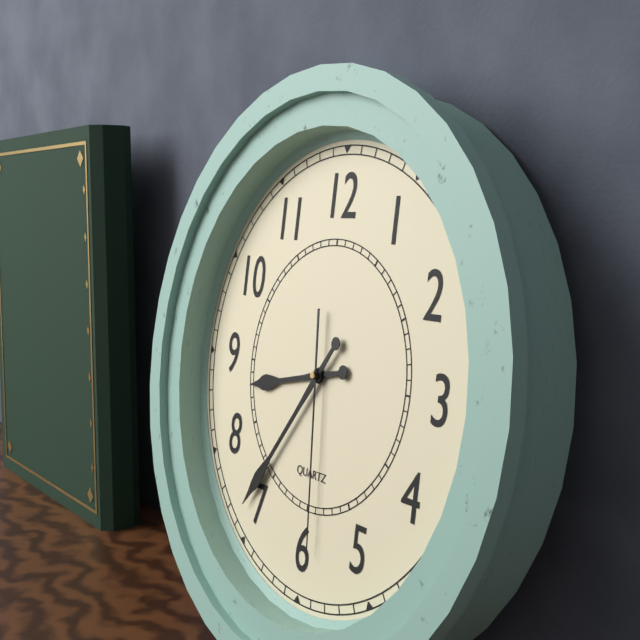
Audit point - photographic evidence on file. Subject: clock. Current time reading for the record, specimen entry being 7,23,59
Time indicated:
8,36,29
